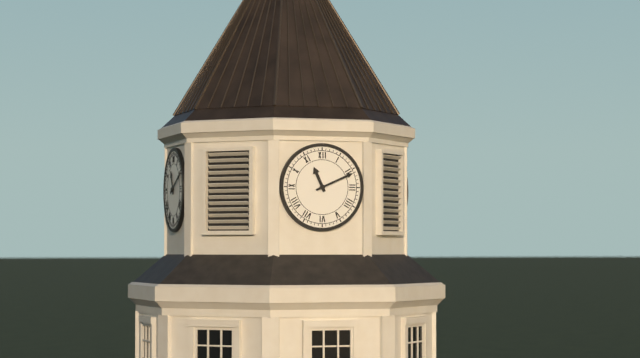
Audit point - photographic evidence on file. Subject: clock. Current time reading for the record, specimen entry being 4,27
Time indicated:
11,11
